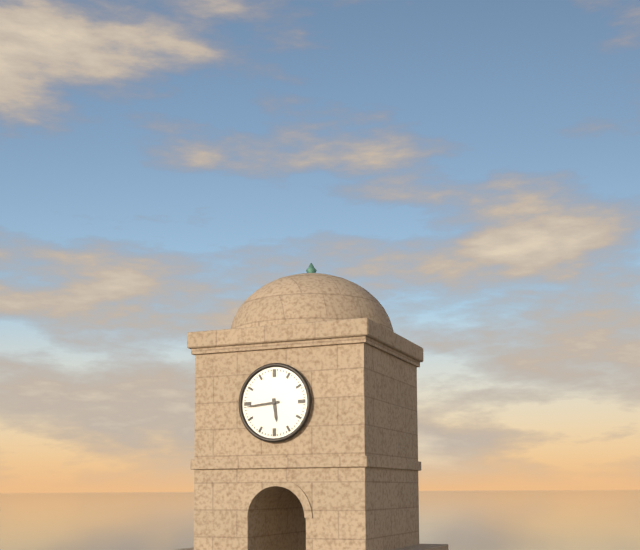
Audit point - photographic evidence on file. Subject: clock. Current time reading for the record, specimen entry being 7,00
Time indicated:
5,44
